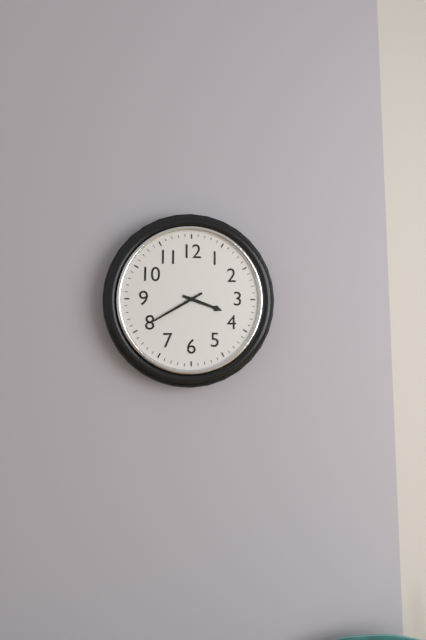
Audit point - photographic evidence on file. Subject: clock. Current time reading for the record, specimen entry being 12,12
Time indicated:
3,40
